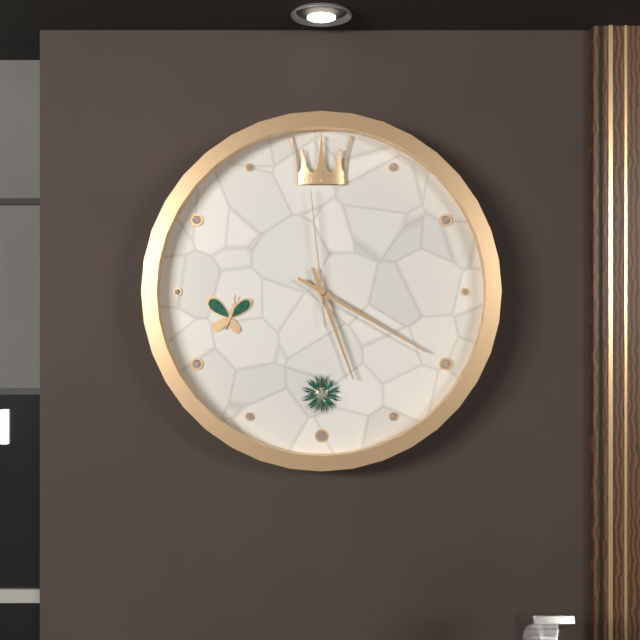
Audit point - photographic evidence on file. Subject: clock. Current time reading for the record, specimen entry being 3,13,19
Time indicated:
5,20,59
